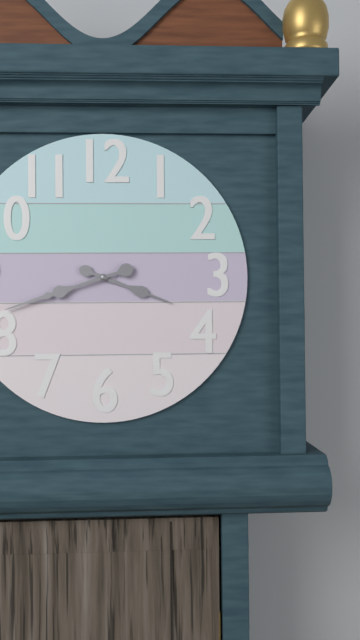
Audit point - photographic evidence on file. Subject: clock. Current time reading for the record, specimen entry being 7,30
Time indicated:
3,42
